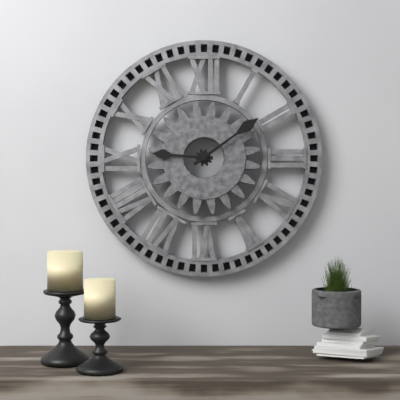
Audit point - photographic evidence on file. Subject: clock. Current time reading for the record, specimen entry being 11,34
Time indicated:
9,09
